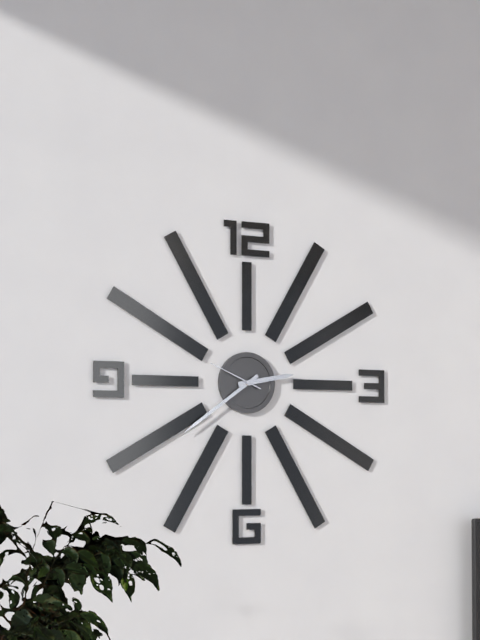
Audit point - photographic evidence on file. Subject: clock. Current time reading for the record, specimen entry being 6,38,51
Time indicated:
2,39,49
